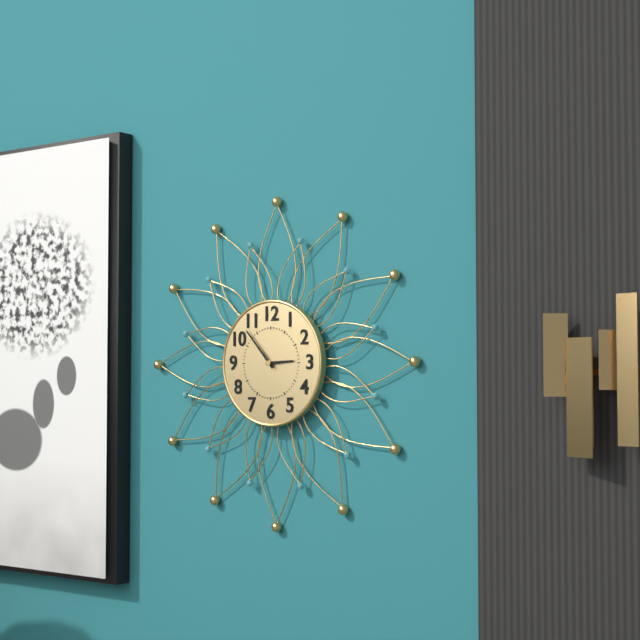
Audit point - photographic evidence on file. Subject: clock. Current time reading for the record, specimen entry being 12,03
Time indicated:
2,53
